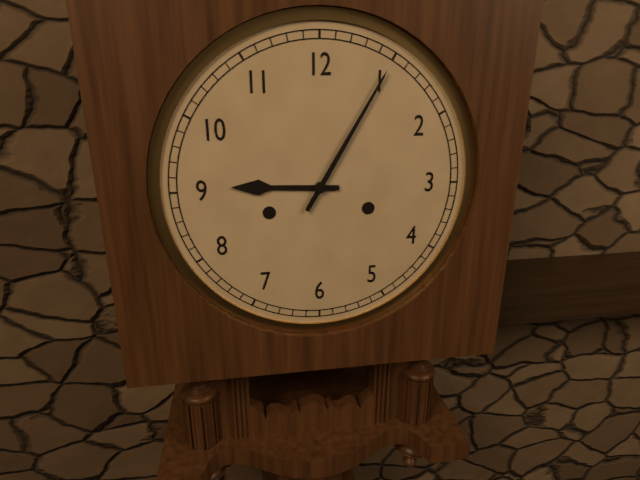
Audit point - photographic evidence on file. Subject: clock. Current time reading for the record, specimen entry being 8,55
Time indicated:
9,05
